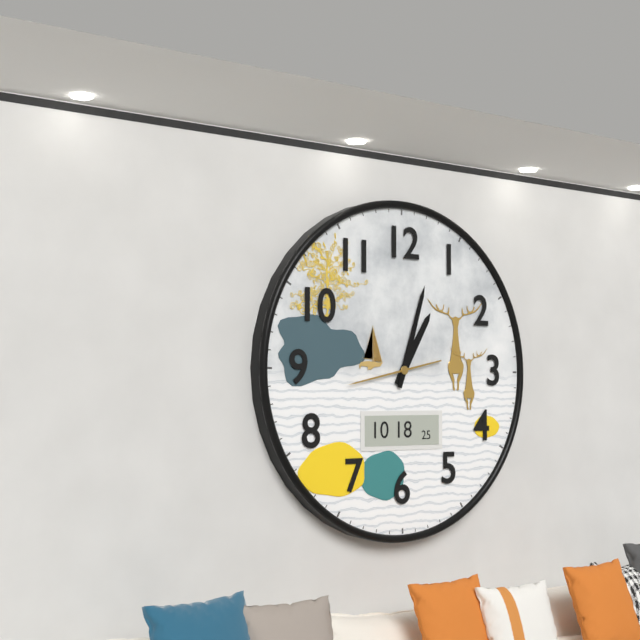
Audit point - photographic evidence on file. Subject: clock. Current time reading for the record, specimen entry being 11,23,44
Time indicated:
1,03,43
